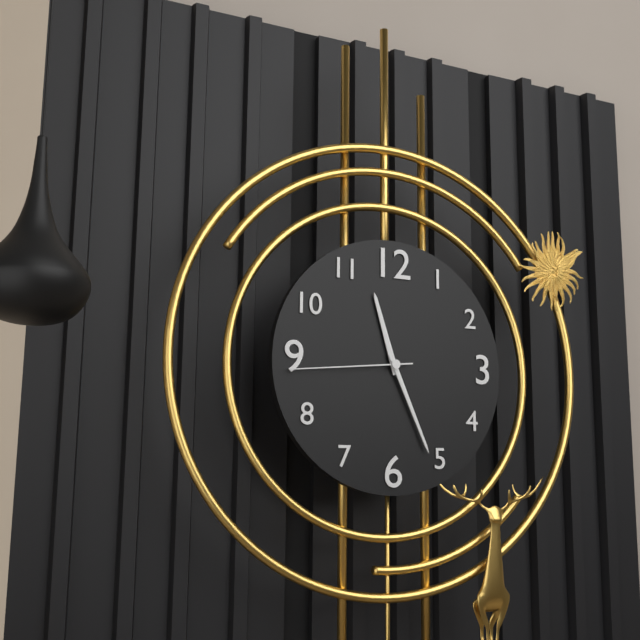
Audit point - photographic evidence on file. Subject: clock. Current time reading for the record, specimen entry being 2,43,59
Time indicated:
11,26,44
